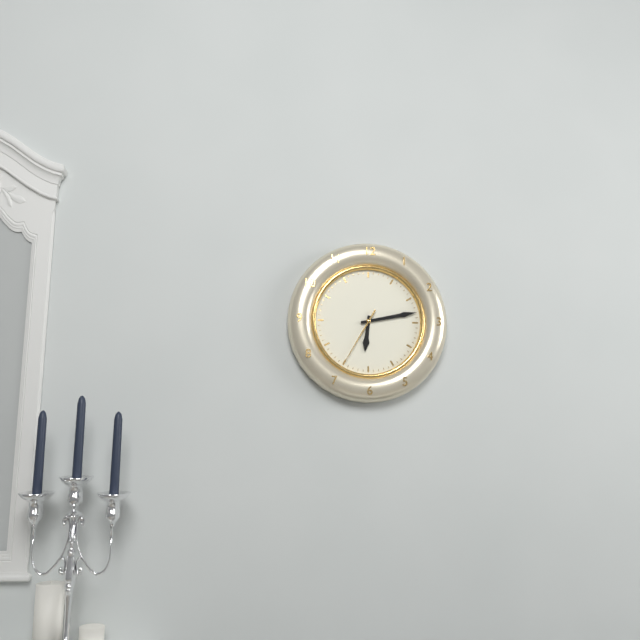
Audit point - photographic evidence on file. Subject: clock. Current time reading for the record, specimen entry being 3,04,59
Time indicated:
6,13,35
